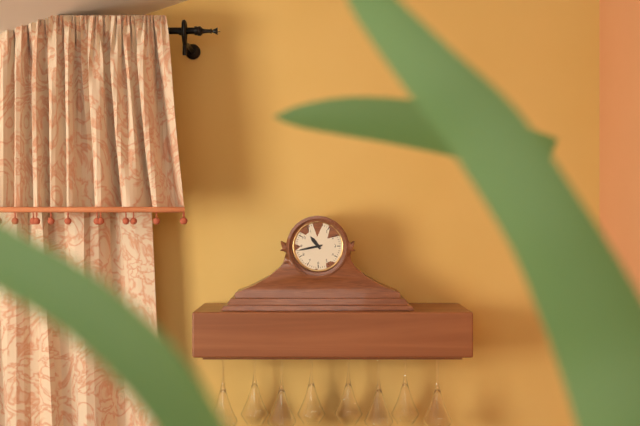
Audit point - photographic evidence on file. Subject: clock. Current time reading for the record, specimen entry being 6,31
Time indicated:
10,43
